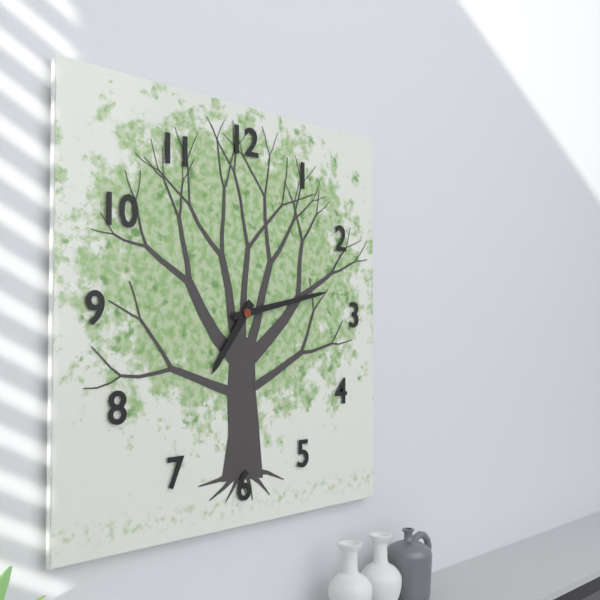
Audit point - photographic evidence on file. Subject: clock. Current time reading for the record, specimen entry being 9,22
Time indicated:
7,13
